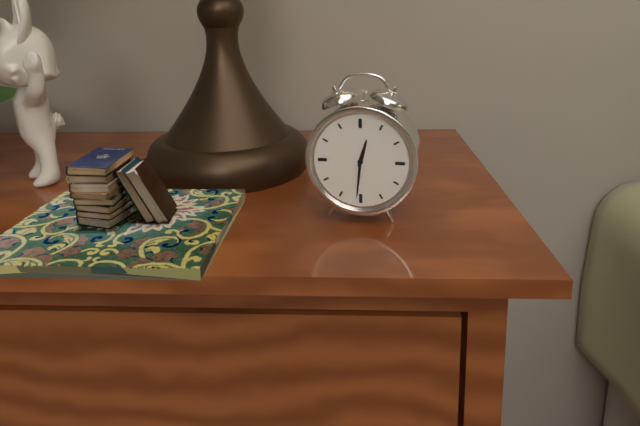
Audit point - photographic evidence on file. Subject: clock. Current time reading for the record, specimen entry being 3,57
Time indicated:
12,31
